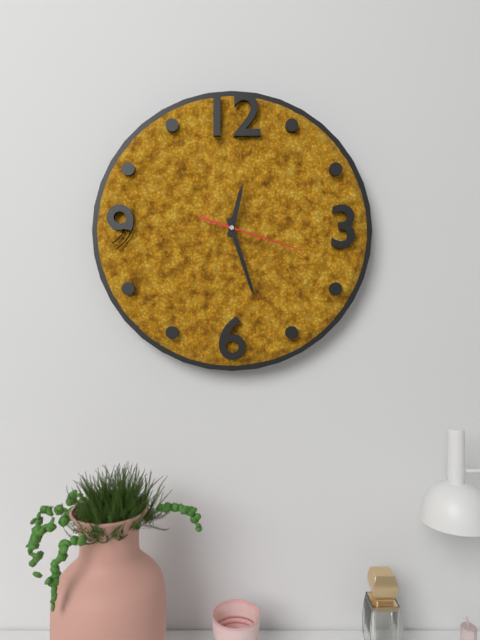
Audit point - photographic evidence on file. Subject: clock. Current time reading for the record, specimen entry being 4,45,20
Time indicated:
12,27,18
